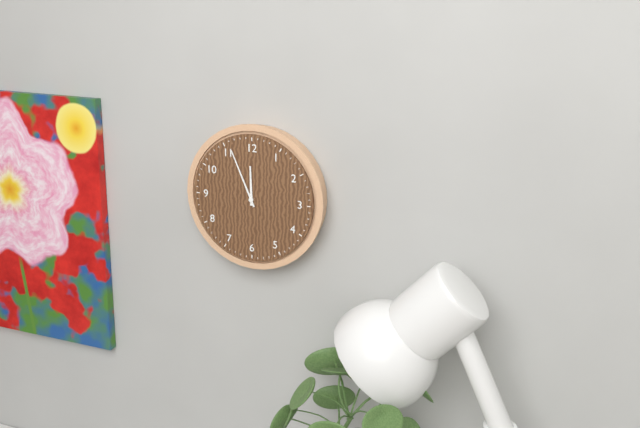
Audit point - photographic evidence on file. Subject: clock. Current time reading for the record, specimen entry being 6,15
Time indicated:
11,56
